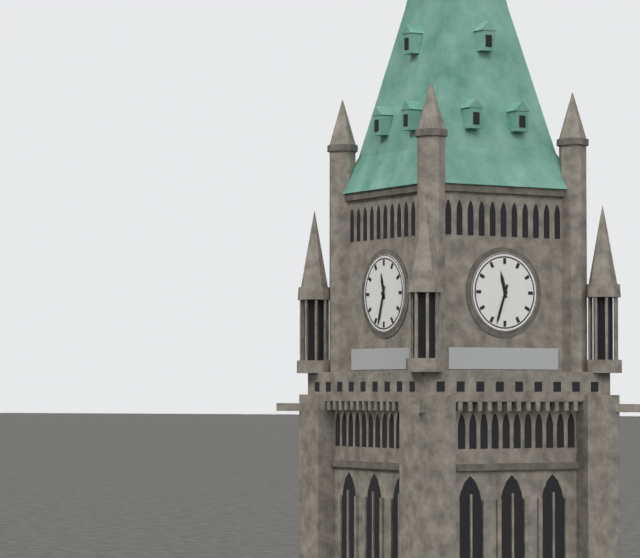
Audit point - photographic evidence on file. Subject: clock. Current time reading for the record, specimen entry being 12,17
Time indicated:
11,33
